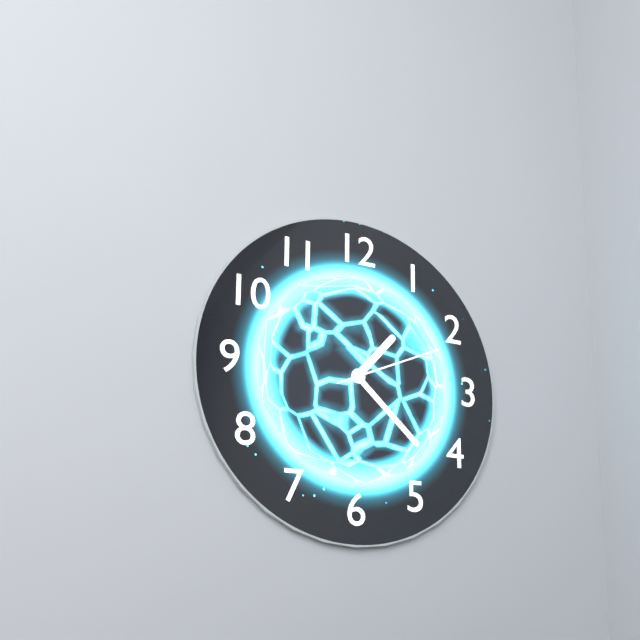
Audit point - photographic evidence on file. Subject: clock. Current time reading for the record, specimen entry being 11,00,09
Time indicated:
1,22,11
